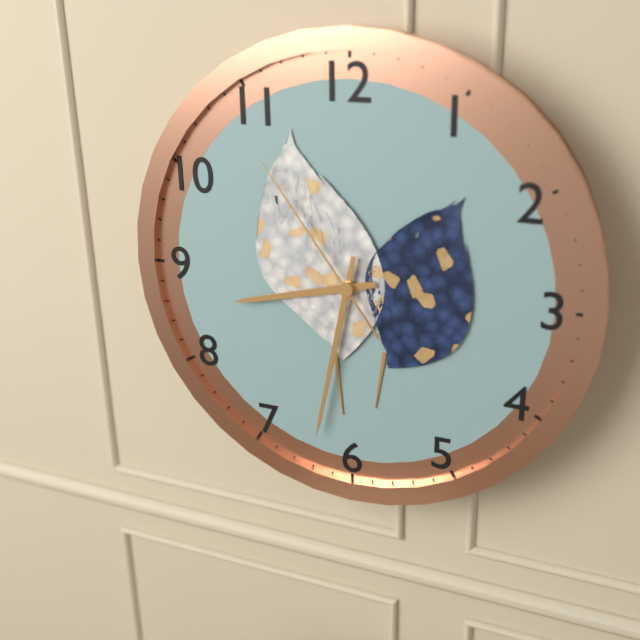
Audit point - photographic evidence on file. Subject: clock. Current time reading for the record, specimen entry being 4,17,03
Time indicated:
8,32,54
